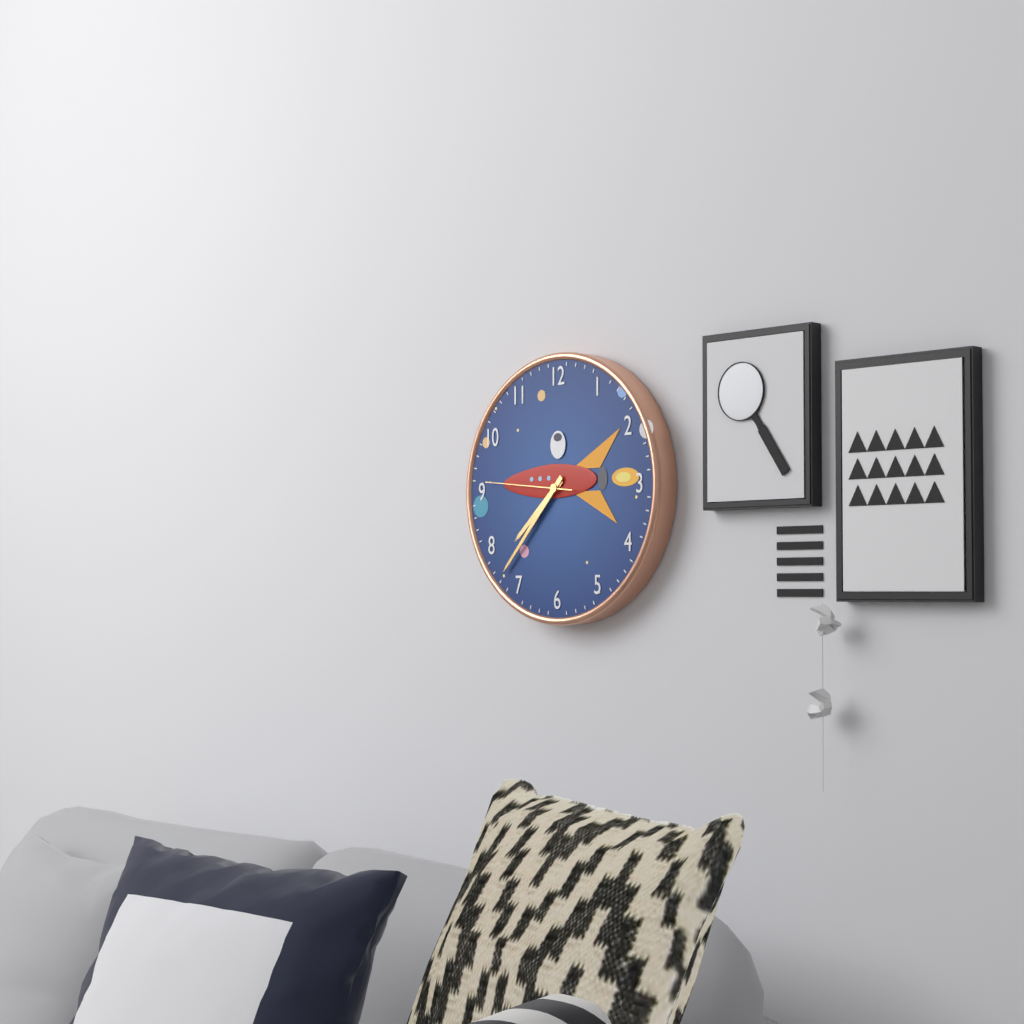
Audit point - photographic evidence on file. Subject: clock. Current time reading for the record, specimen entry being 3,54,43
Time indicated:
7,37,46
